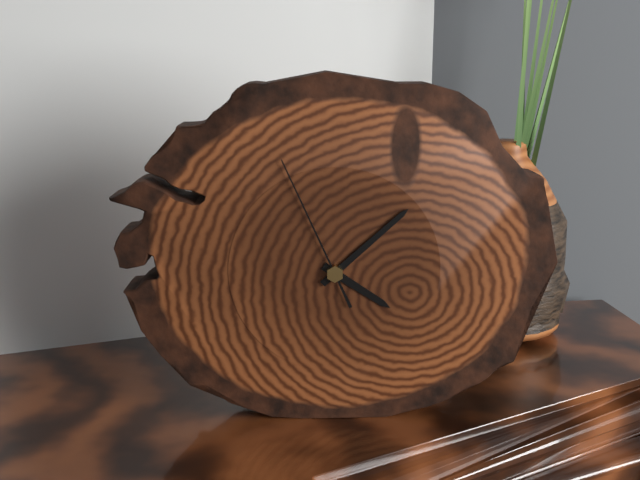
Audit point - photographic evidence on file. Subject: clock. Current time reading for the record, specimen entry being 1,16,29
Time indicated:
4,08,56
